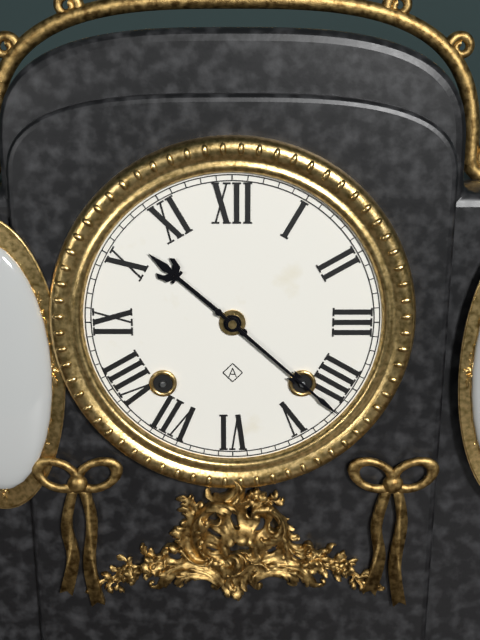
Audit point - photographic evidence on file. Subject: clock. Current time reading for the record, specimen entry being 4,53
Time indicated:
10,22
